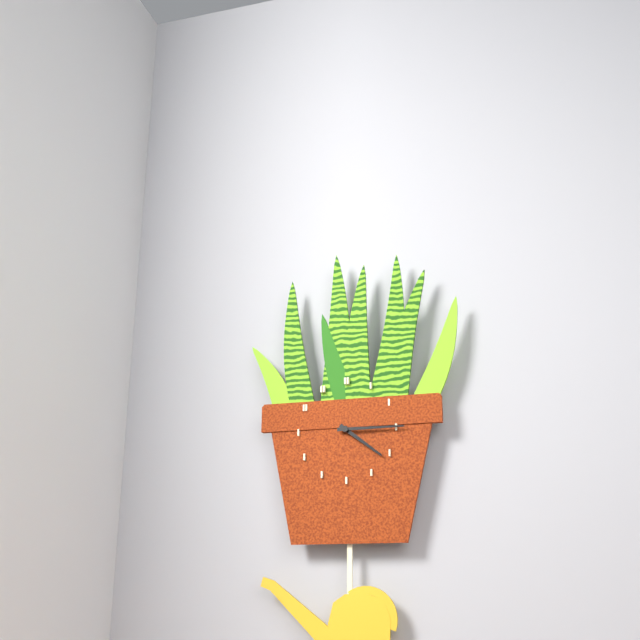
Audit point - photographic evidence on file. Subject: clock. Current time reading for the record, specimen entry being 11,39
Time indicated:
4,15
